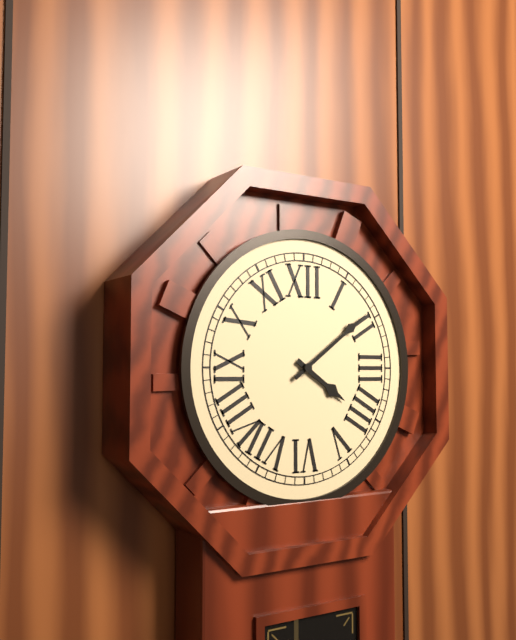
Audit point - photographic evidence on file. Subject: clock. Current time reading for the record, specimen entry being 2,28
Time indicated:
4,09
